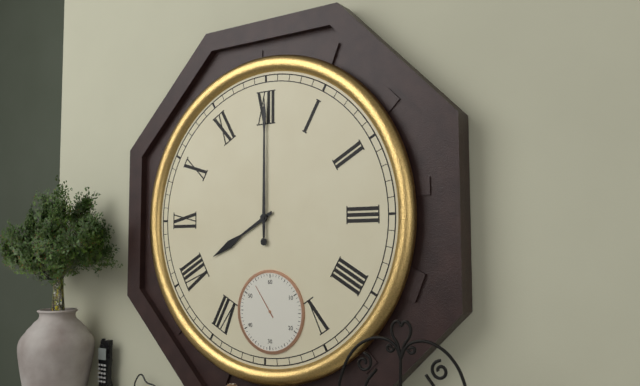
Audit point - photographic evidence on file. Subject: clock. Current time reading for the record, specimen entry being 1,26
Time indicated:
8,00
